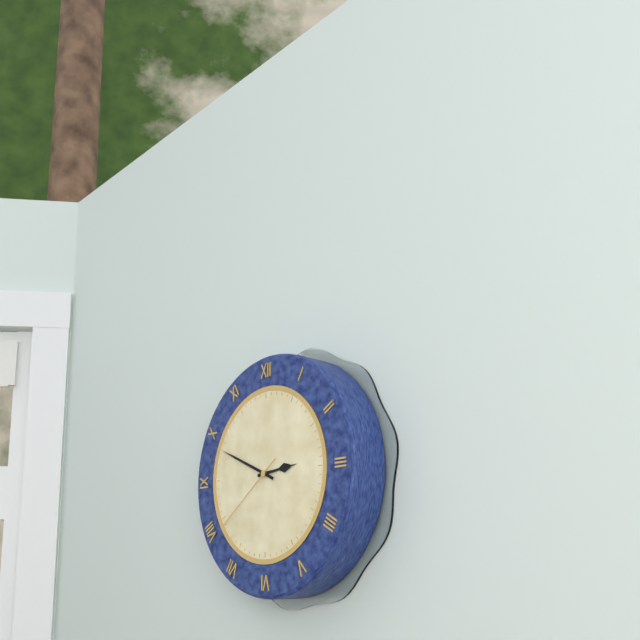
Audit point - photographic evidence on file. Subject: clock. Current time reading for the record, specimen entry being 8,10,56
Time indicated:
2,49,39
